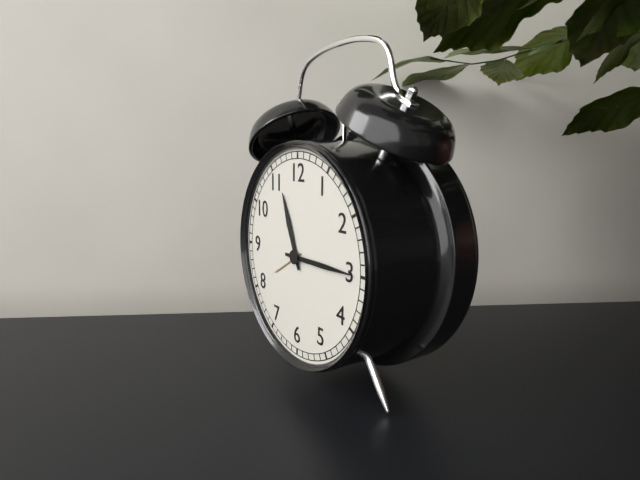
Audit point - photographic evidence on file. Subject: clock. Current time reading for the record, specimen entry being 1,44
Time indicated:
11,15
